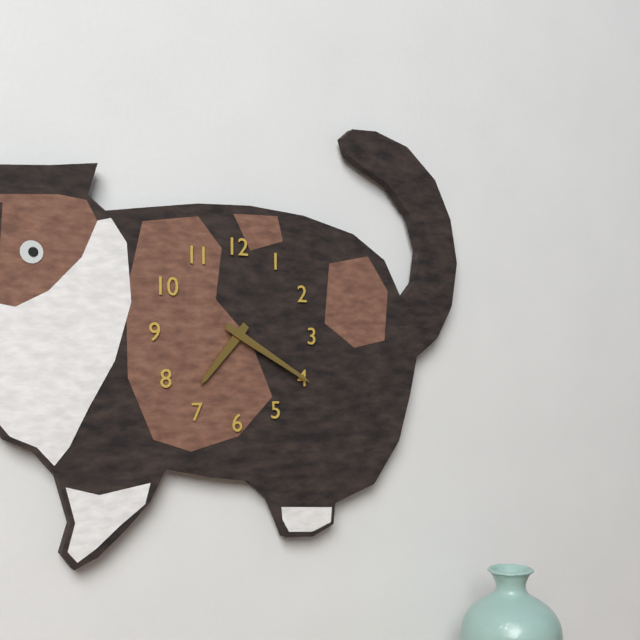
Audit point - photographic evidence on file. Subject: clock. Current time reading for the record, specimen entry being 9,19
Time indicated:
7,20
